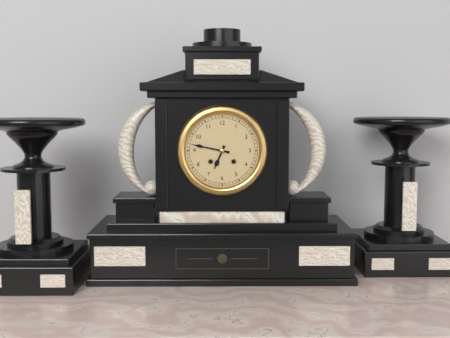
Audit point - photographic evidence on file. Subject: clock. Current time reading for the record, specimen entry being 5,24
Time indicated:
6,47
